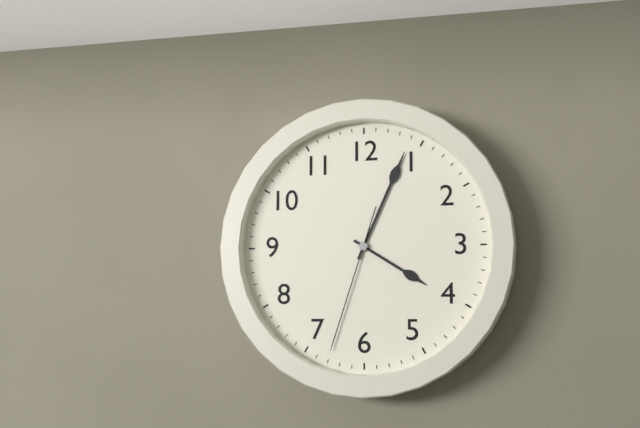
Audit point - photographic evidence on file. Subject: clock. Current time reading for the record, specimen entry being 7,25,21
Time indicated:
4,04,33
